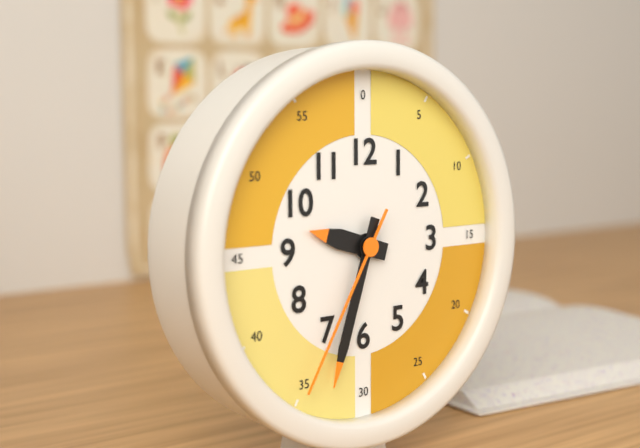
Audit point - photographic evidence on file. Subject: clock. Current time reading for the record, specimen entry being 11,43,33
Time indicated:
9,33,35
